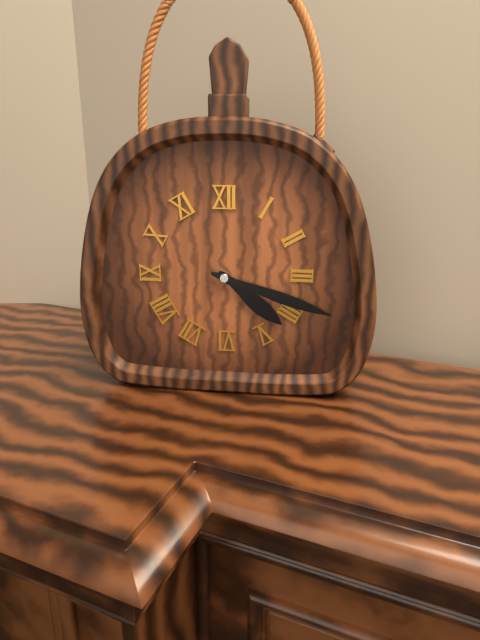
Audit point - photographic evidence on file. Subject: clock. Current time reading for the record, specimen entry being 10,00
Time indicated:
4,18
